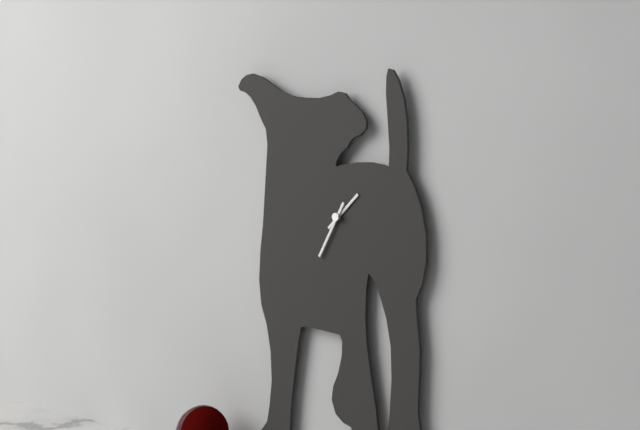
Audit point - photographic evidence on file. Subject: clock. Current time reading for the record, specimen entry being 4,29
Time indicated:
1,35
